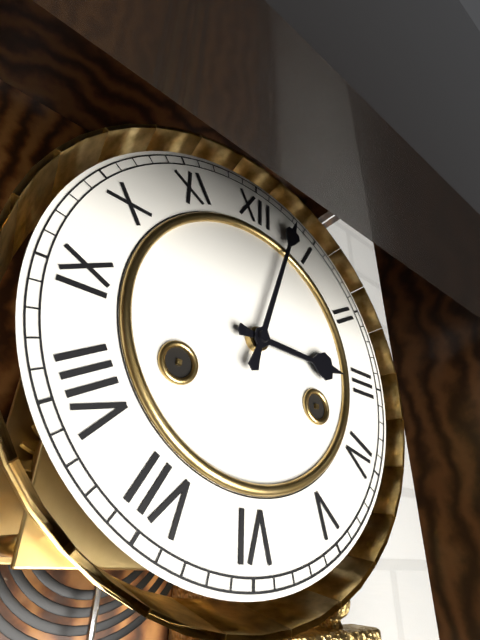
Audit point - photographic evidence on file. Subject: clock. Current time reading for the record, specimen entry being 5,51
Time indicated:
3,03
